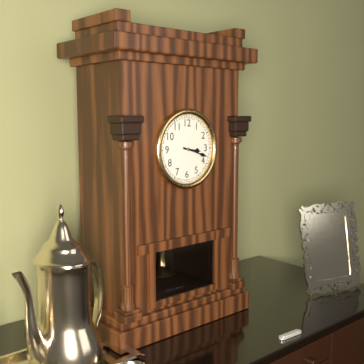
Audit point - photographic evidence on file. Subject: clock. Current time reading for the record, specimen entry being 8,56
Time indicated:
3,18
